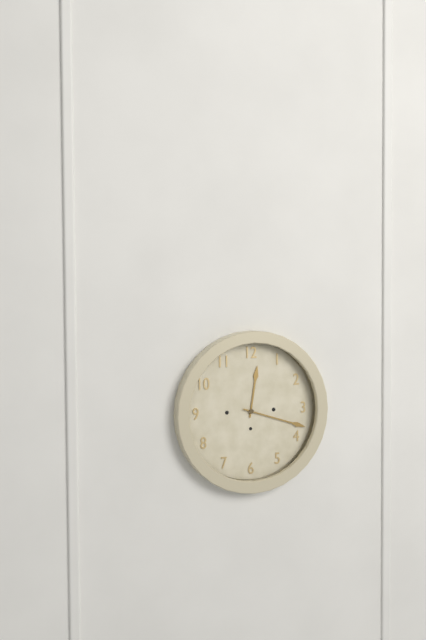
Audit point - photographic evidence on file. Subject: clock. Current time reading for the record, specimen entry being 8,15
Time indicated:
12,18
